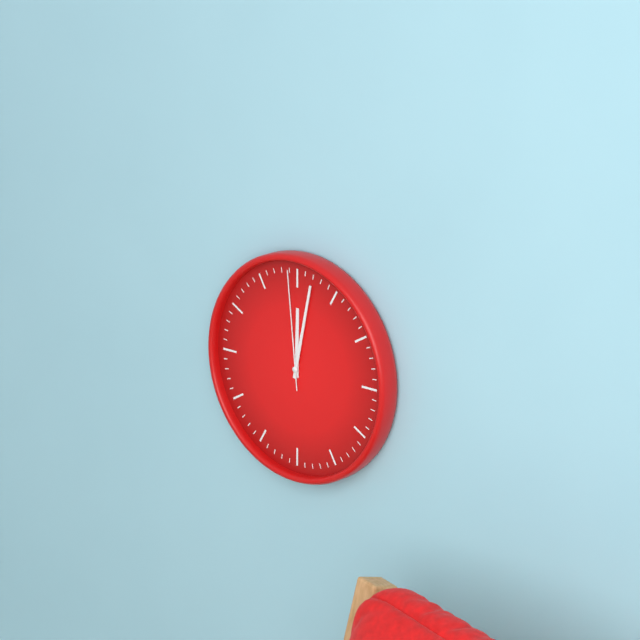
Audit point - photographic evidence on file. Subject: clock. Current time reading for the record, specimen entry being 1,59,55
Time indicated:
12,02,59
